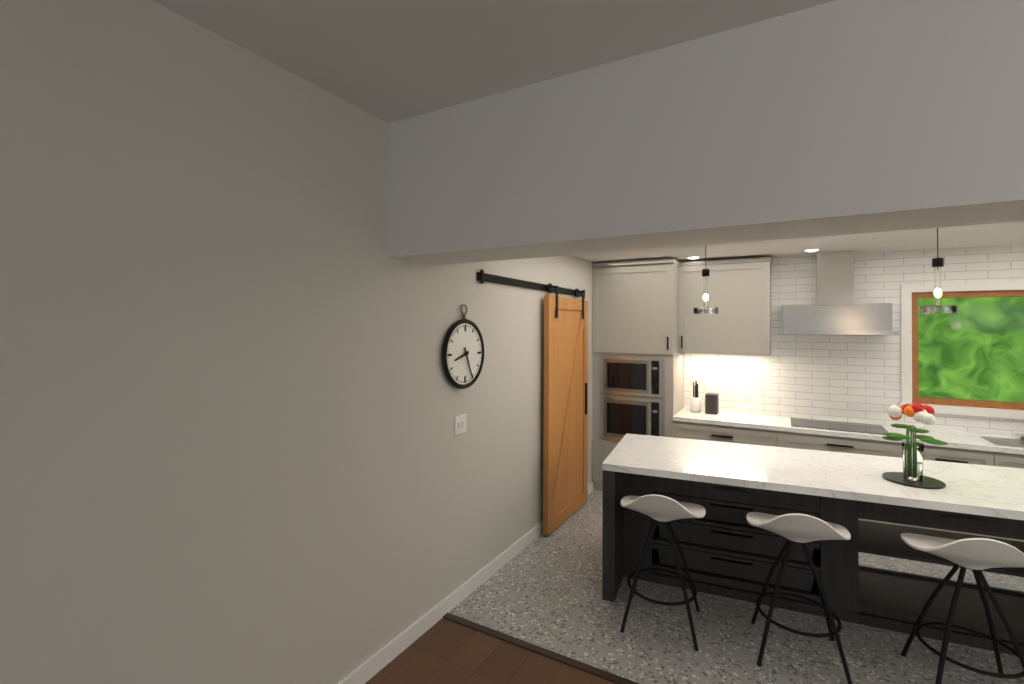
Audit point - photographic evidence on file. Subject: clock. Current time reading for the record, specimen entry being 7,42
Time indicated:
8,26
